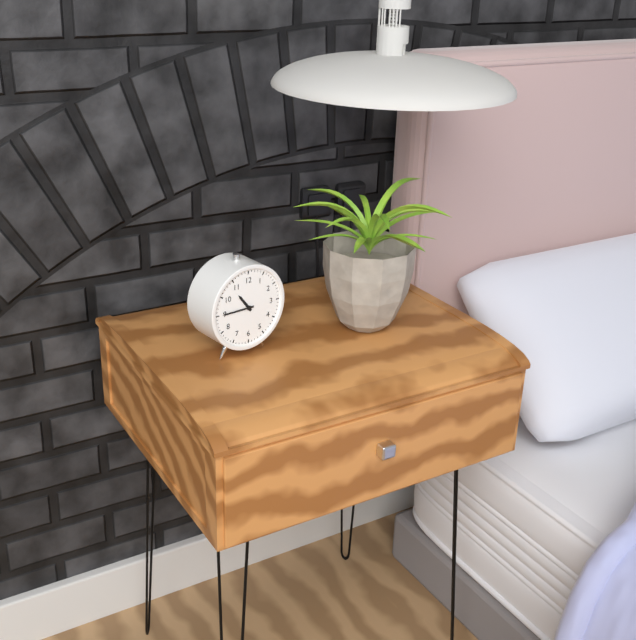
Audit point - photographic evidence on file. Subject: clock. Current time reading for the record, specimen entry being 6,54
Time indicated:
10,45
